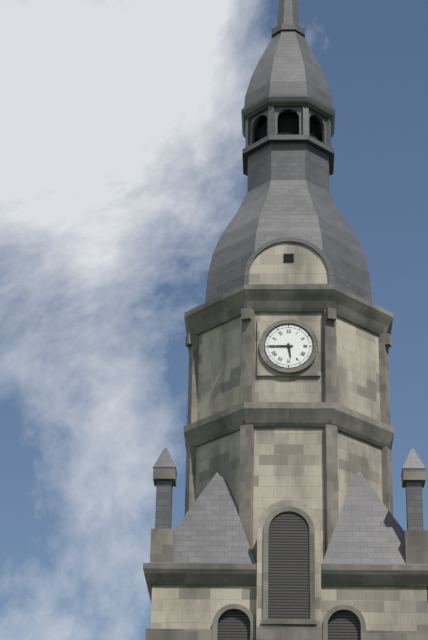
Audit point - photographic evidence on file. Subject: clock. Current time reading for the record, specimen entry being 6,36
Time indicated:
5,45
